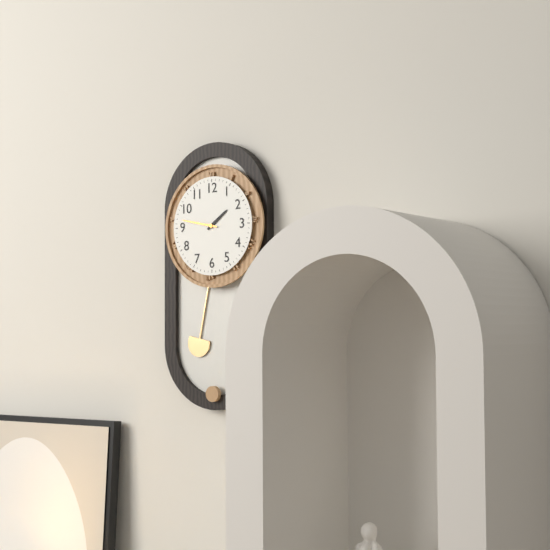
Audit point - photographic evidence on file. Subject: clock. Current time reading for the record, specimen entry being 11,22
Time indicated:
1,47
